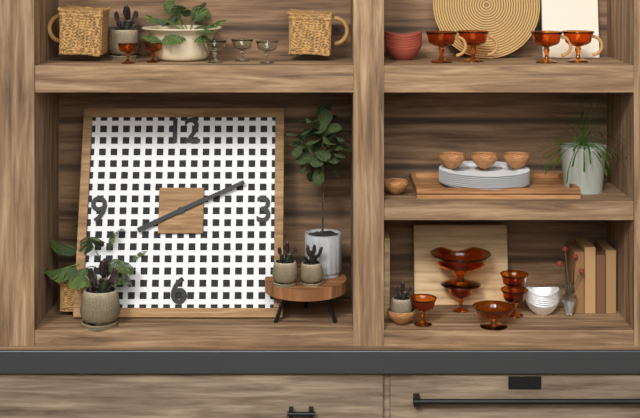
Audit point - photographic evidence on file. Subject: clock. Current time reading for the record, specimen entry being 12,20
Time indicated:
8,11
